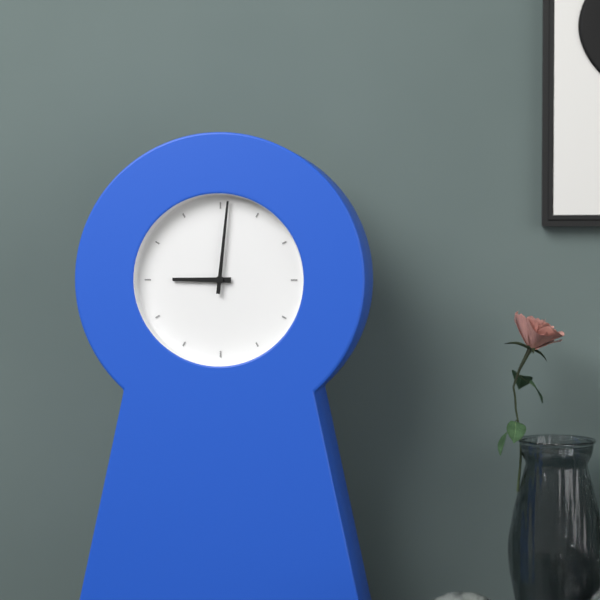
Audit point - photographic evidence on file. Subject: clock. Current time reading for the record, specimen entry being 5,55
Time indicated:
9,01
